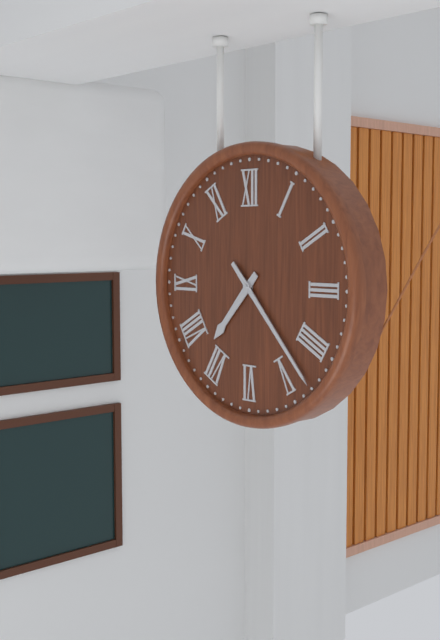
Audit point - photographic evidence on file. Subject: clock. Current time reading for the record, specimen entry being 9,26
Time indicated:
7,23
